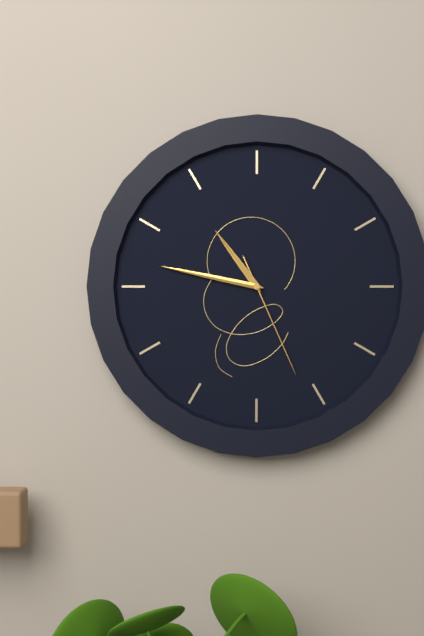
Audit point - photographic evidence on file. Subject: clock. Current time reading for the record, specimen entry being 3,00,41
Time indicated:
10,47,26
